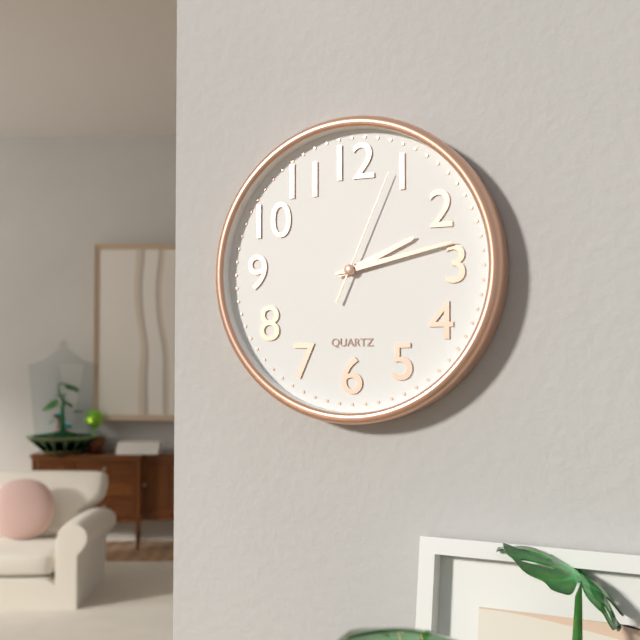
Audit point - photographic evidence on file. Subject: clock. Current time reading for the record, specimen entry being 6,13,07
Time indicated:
2,13,04
